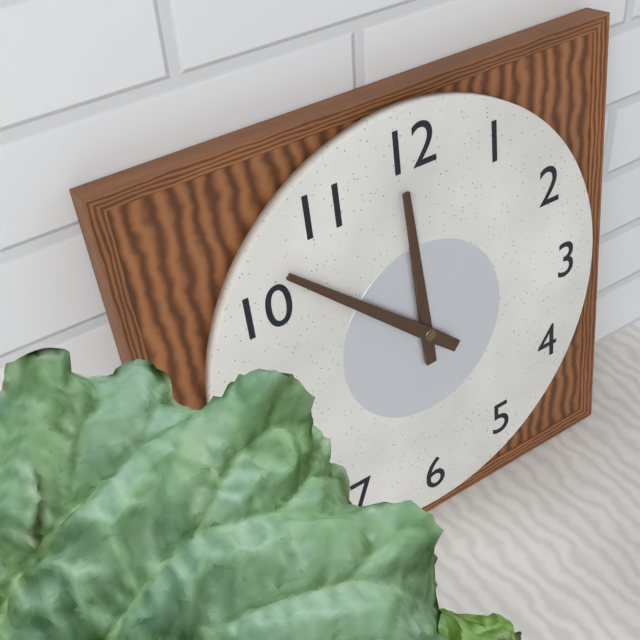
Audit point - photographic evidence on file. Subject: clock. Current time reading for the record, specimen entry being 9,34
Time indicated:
11,52
